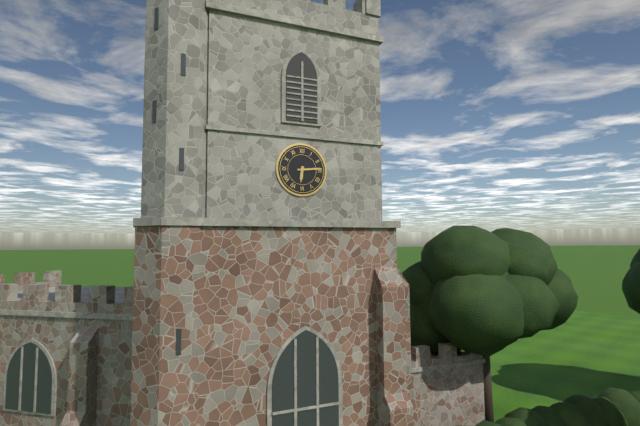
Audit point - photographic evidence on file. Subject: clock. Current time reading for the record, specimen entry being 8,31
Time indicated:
6,14
